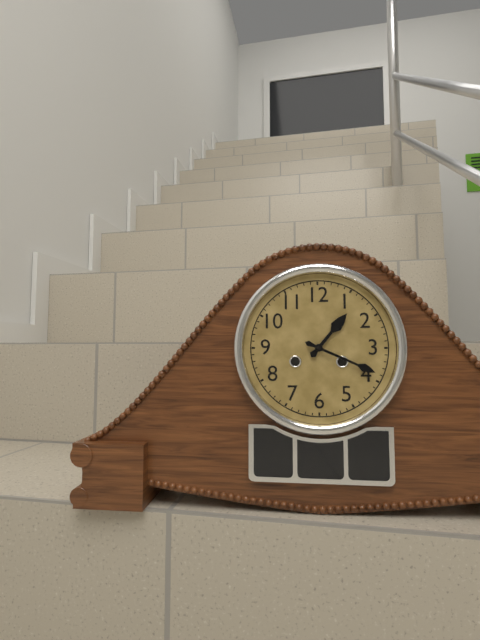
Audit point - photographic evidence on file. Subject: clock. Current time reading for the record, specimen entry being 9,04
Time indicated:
1,19
